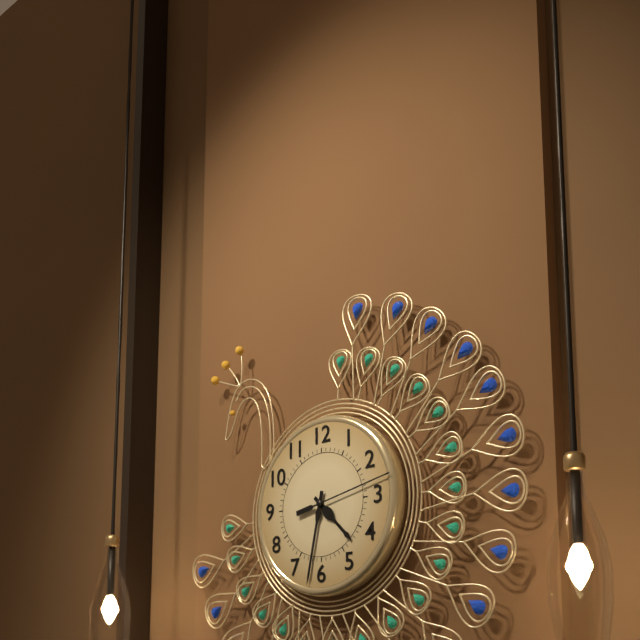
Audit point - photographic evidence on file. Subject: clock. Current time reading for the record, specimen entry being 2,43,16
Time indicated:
4,32,13
